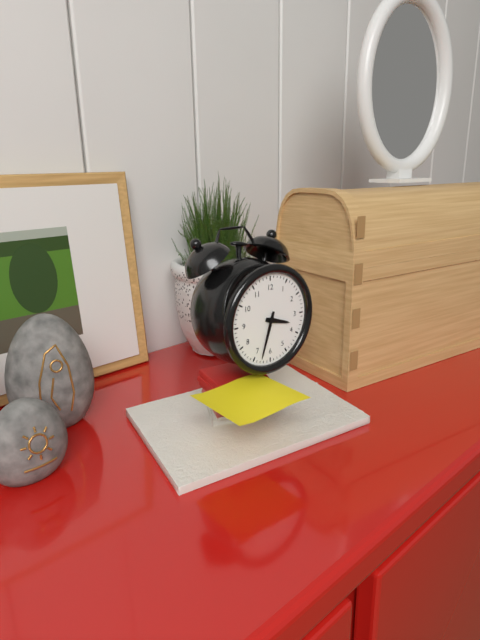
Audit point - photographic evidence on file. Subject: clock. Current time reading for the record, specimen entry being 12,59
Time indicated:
3,33
